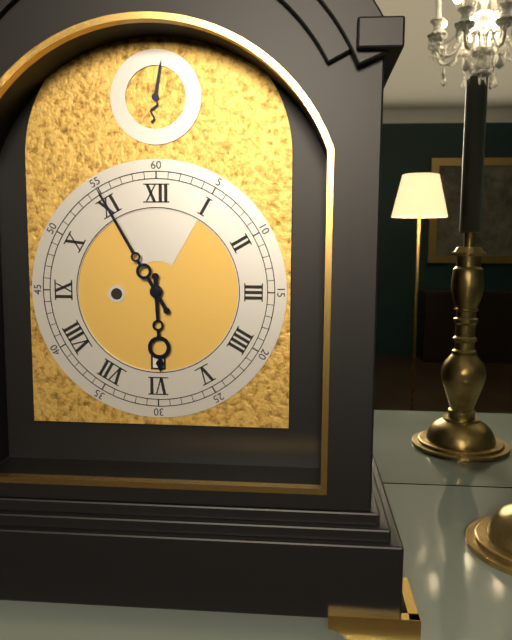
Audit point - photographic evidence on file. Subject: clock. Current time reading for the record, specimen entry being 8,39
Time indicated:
5,55
